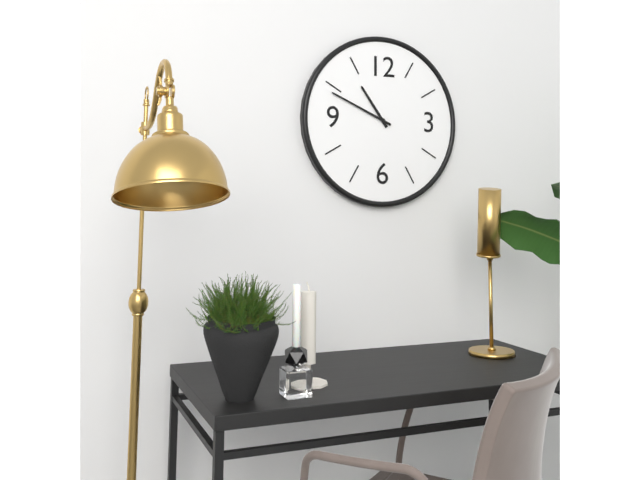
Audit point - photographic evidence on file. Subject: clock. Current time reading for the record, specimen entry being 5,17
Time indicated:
10,49
